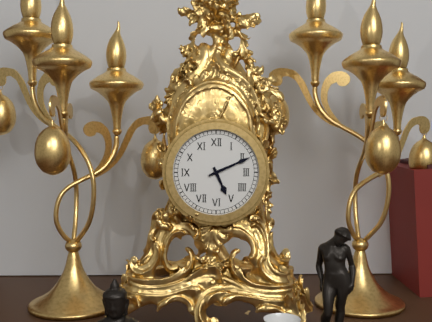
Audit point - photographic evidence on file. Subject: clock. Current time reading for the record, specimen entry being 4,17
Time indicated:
5,11
